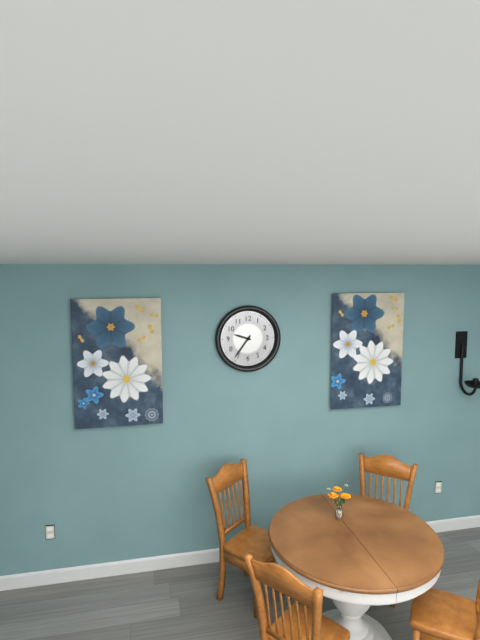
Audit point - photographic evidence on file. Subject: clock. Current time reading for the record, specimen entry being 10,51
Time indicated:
9,36
